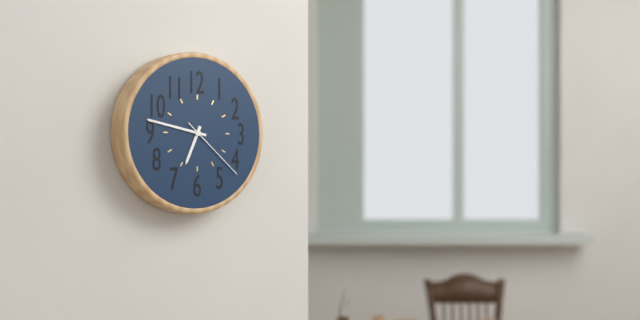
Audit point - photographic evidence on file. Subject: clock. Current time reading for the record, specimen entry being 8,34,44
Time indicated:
6,47,22
